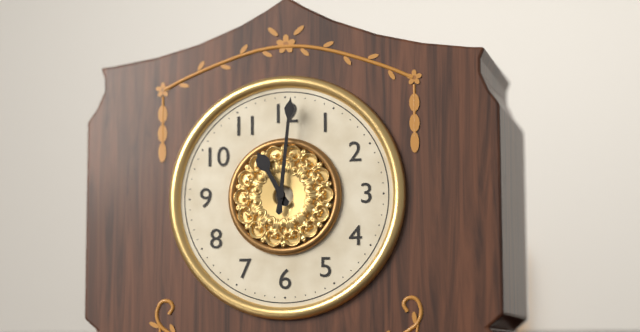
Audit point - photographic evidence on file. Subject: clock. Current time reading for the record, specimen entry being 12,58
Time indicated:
11,01
